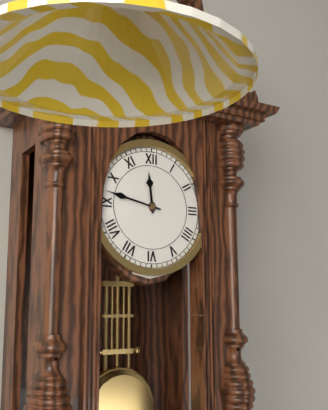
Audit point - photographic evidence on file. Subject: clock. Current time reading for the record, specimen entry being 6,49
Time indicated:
11,47
